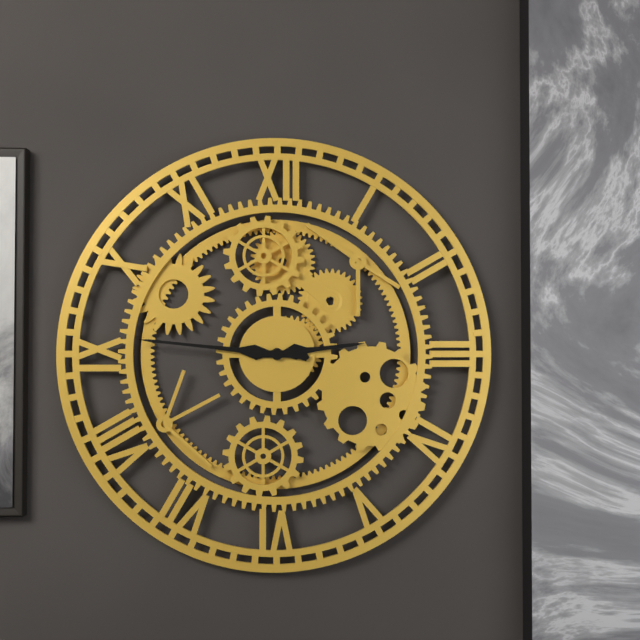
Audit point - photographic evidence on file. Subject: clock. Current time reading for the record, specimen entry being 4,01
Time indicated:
2,46
